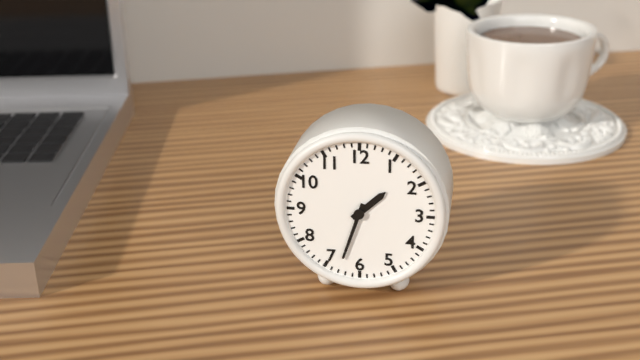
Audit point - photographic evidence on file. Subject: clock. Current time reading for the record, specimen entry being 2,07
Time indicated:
1,33
